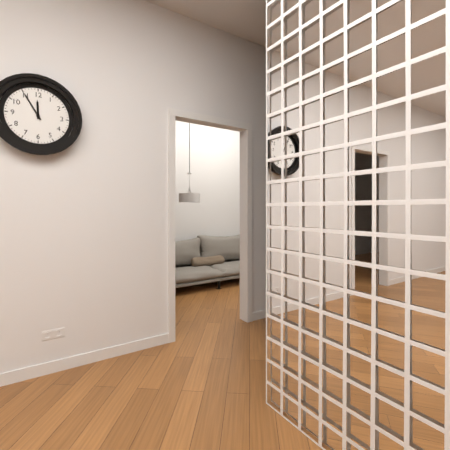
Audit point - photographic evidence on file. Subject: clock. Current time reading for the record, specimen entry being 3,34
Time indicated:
11,55
